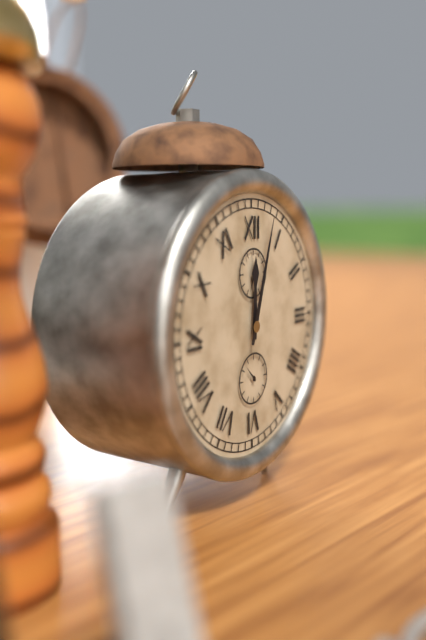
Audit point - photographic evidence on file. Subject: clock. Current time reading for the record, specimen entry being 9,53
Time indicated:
12,03
